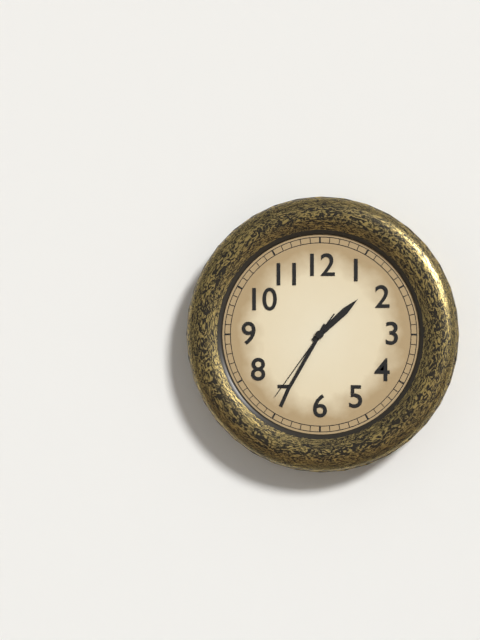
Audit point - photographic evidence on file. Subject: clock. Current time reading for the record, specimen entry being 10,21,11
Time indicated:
1,35,36
